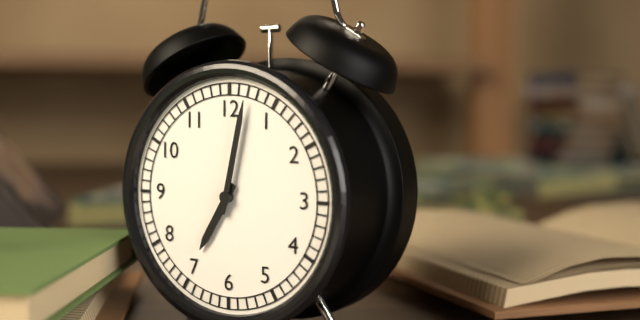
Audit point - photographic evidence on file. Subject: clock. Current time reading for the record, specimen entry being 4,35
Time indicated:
7,02
